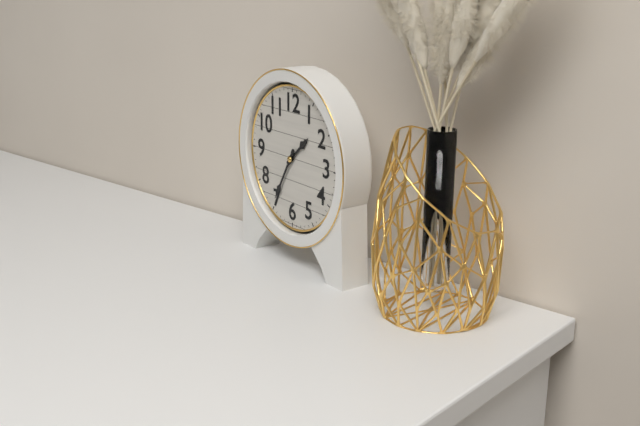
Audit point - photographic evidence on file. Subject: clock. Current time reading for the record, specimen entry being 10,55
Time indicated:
1,35
